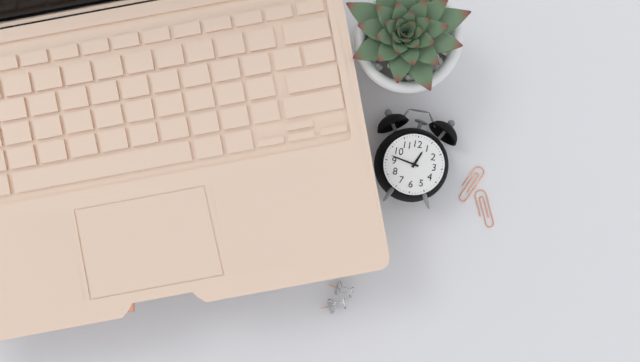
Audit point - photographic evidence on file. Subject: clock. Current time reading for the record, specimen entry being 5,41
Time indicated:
12,47
